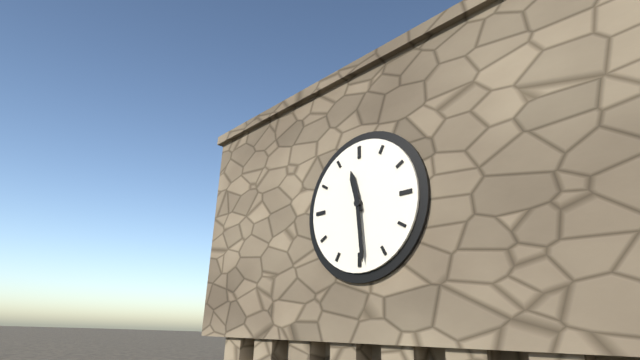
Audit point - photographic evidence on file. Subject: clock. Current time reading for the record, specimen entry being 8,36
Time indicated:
11,29
